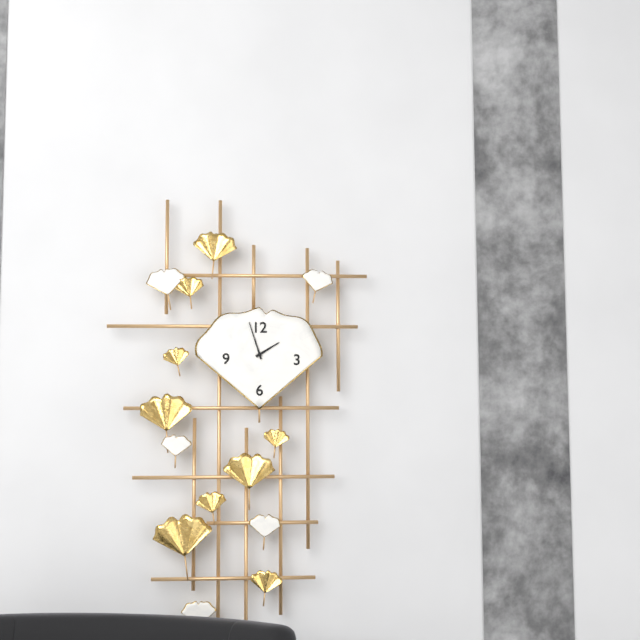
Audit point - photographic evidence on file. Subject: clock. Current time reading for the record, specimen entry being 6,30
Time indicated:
1,57
